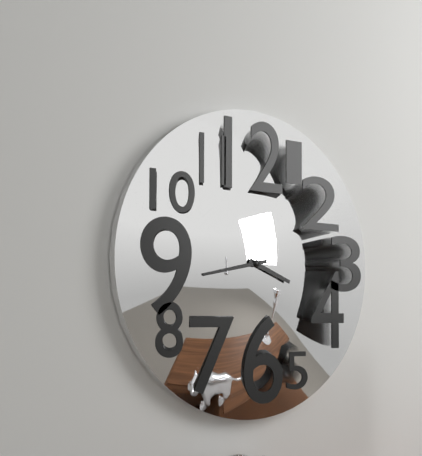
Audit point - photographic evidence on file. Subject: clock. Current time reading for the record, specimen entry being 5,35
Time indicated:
3,43
